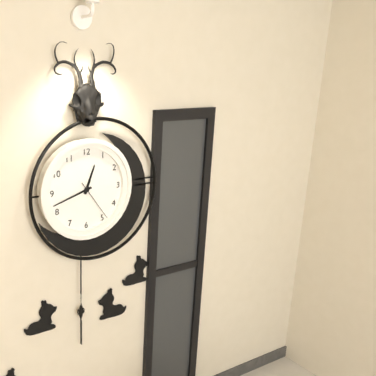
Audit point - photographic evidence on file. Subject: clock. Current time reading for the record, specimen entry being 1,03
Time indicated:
12,42
